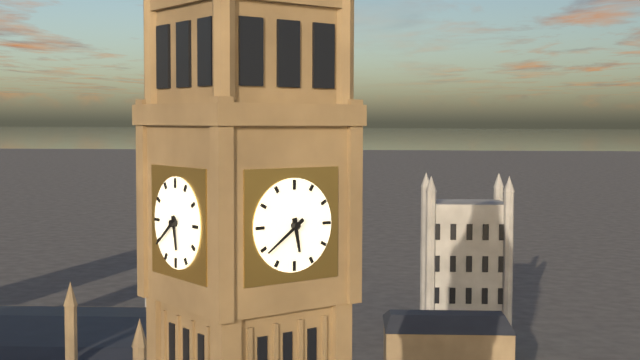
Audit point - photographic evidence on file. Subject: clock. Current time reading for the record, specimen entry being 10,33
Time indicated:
5,39
